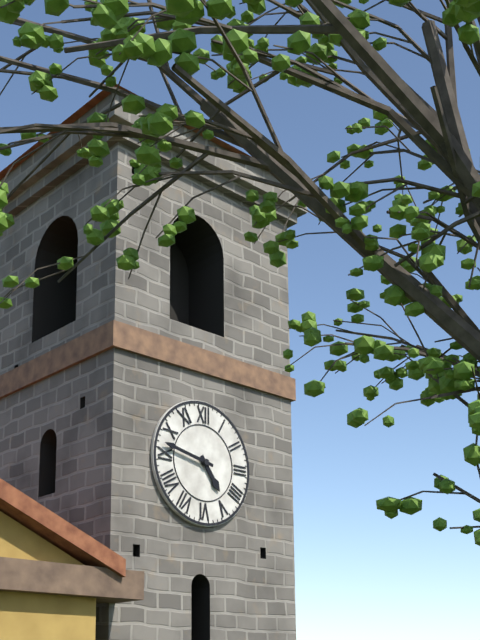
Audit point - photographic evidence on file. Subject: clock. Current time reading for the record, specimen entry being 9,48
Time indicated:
4,47
